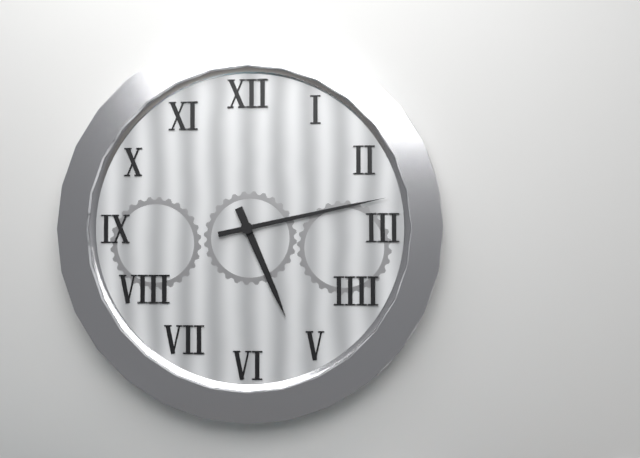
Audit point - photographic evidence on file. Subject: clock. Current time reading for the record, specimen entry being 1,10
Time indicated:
5,13
